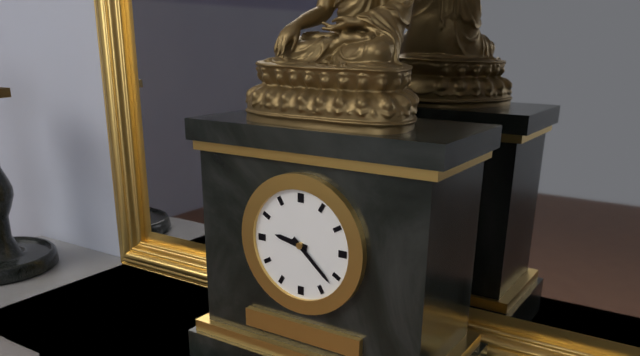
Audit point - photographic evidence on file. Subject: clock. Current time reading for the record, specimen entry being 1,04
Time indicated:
9,22
